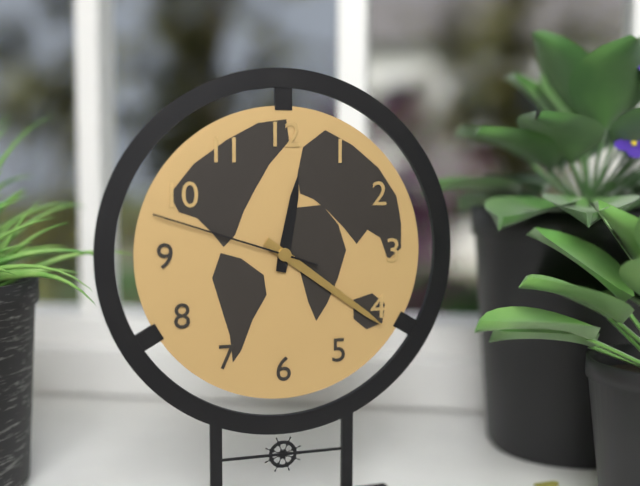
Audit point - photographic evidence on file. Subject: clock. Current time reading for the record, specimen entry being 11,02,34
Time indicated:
12,21,48
